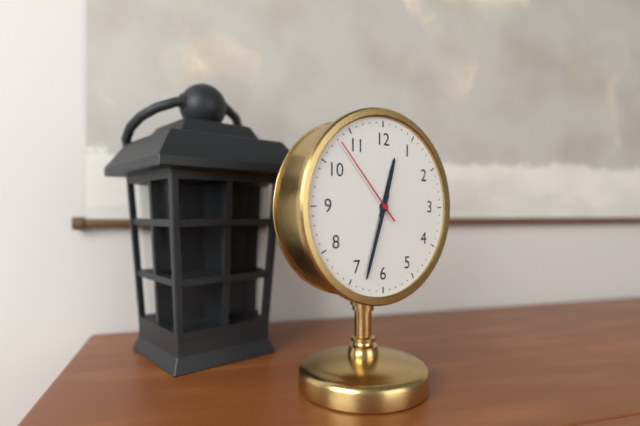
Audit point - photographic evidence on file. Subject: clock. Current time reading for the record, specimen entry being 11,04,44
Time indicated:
12,33,53
